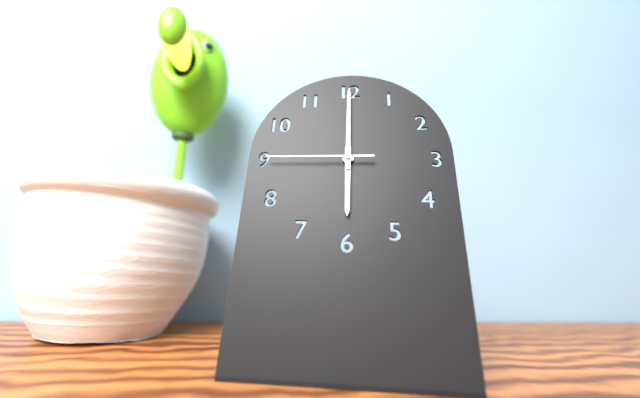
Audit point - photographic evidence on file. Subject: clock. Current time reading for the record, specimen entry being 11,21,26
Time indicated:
6,00,45
